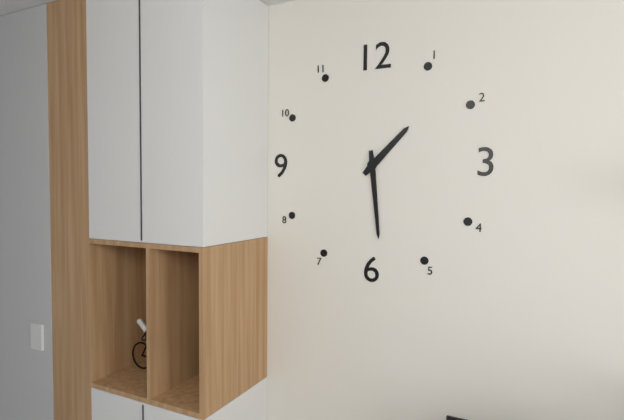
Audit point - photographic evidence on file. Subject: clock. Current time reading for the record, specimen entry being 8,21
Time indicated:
1,29
